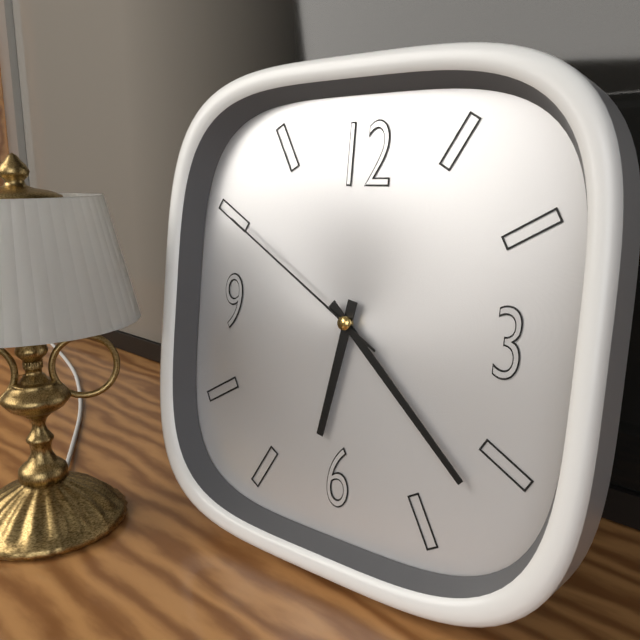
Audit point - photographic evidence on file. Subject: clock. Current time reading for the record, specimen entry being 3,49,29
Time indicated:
6,22,50
